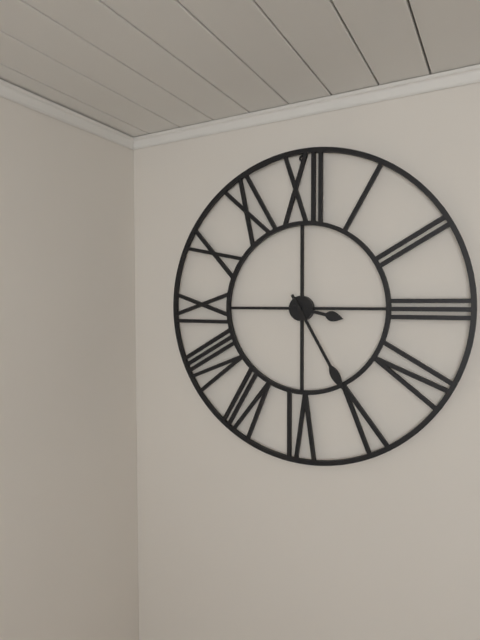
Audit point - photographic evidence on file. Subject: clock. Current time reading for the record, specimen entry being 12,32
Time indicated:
3,25
